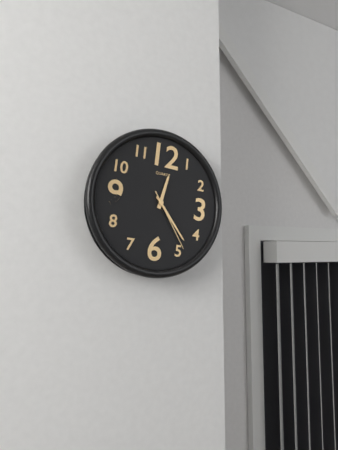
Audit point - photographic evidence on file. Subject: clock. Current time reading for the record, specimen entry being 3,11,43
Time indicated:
12,23,24
